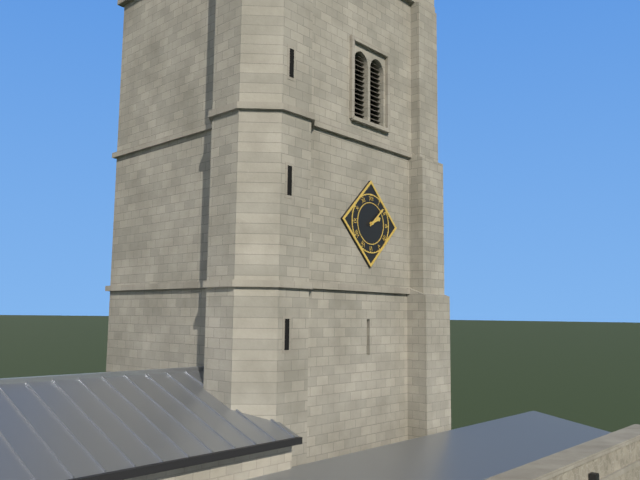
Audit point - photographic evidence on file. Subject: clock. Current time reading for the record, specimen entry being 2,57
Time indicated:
2,08
